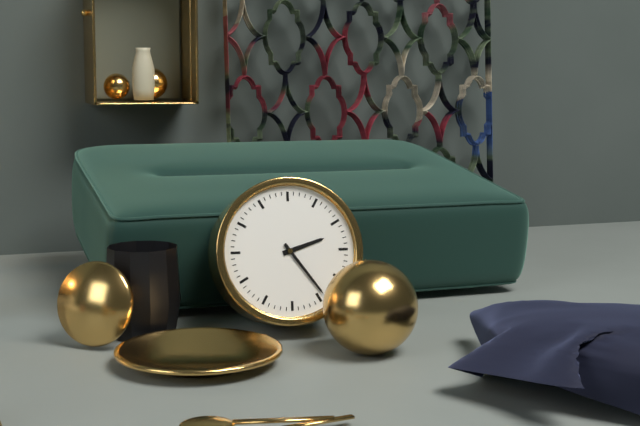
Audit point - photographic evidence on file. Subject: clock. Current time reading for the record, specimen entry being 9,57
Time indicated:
2,24
